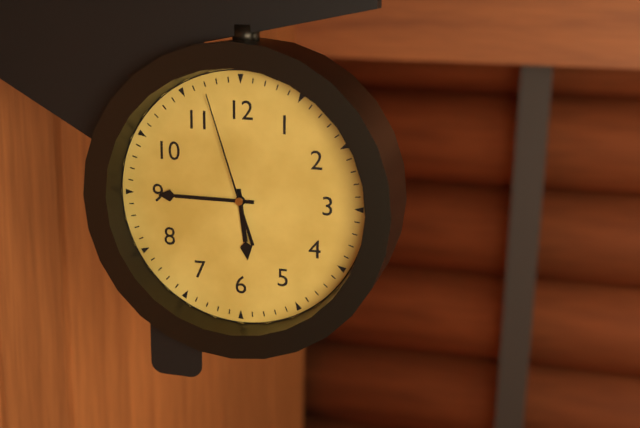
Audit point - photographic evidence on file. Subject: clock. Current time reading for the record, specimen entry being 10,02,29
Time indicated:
5,45,57
